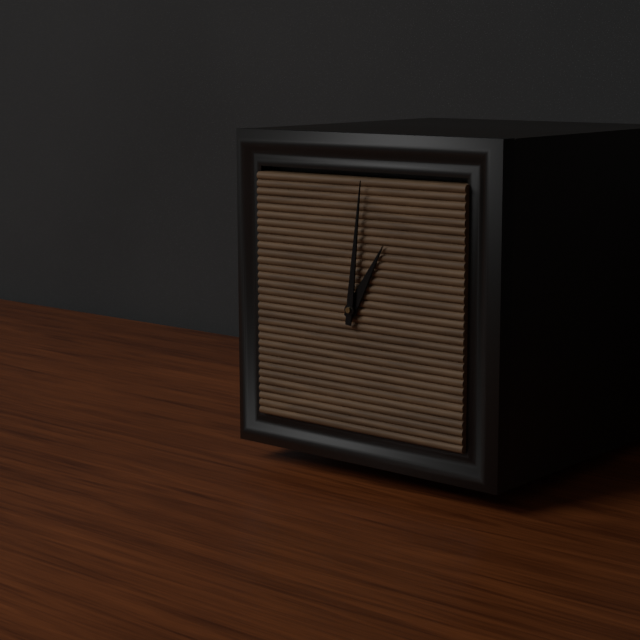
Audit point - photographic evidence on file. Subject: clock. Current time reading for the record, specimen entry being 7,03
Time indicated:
1,01
